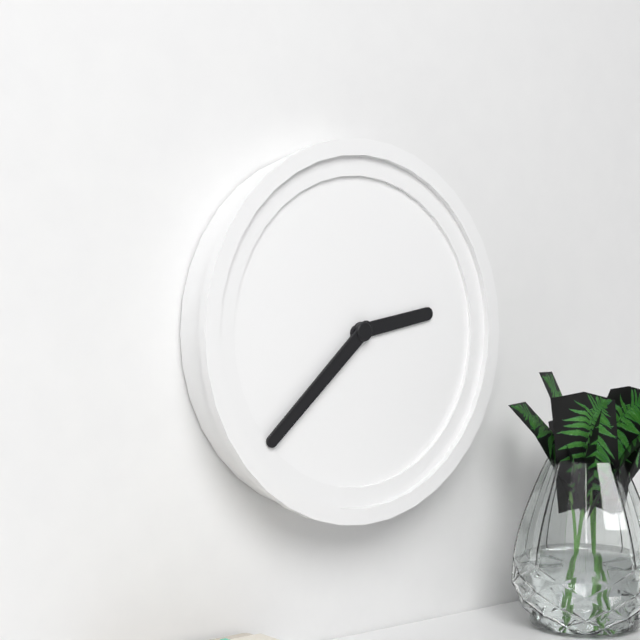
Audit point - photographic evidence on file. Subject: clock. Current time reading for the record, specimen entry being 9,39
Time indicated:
2,38
